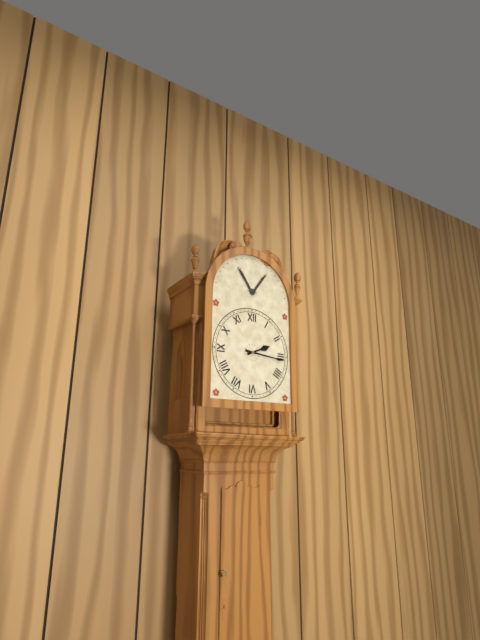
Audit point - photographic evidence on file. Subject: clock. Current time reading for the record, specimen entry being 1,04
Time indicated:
2,16
